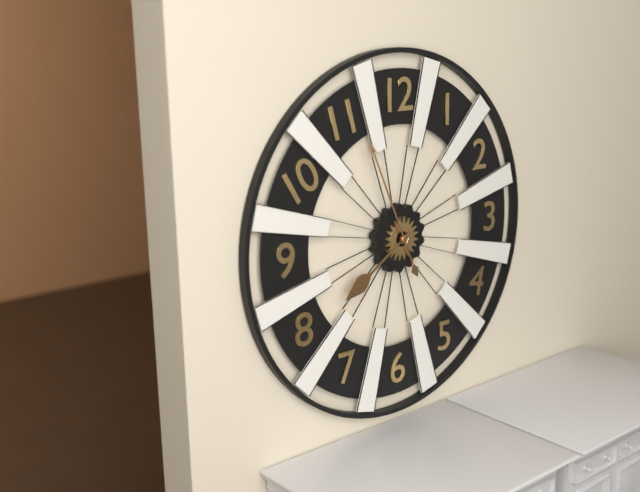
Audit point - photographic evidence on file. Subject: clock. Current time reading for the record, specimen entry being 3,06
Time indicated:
7,56
